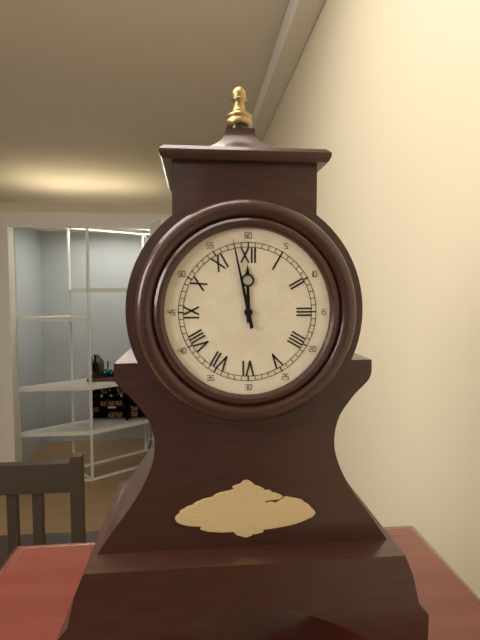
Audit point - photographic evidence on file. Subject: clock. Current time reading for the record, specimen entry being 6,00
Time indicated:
11,58
